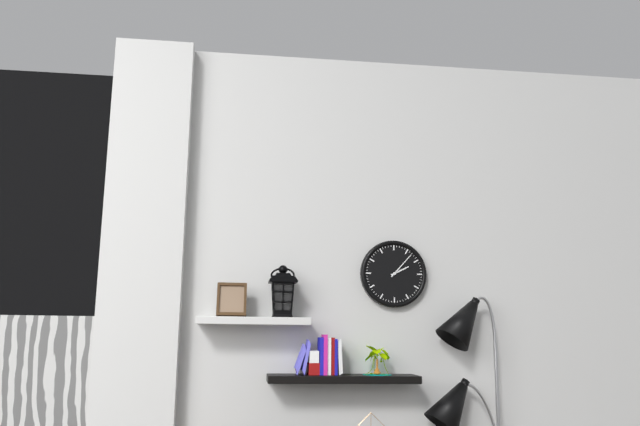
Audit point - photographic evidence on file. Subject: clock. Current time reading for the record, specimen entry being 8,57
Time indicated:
2,07
